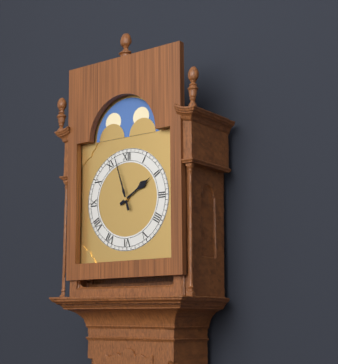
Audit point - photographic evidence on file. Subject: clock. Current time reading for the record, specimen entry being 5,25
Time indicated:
1,57
